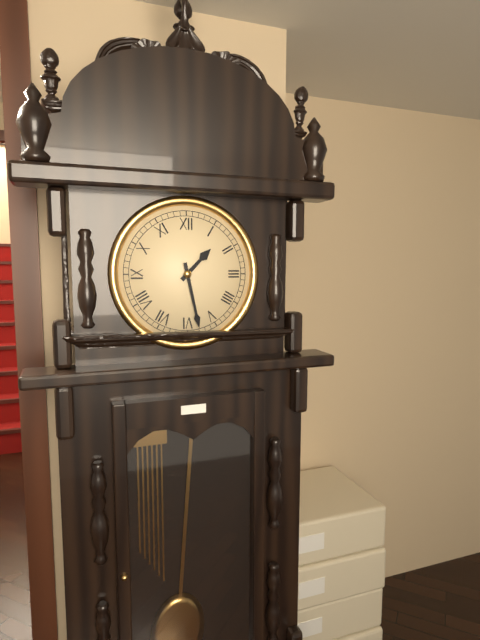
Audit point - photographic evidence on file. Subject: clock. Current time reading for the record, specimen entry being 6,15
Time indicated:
1,28
